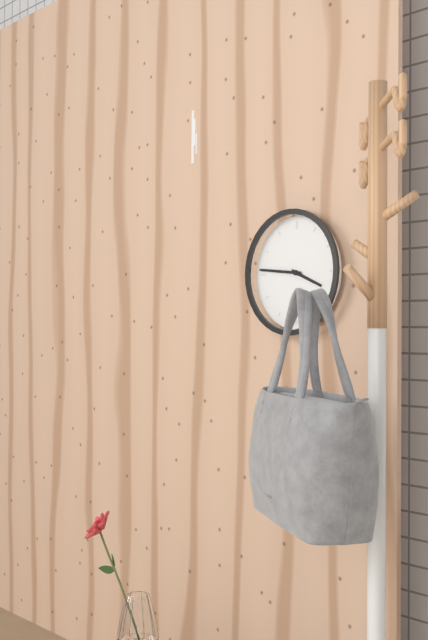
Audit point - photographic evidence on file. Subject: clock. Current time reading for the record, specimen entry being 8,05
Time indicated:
3,46
